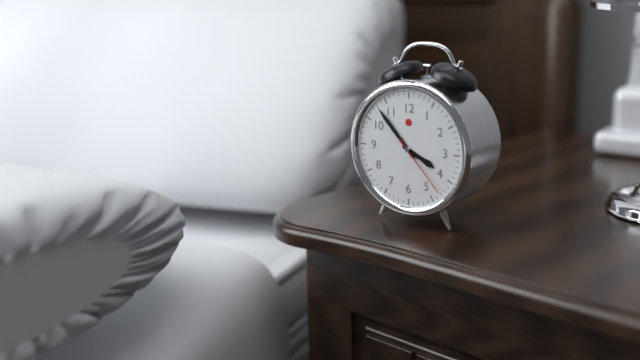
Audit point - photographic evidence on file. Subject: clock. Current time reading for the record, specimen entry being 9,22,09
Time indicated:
3,53,23
